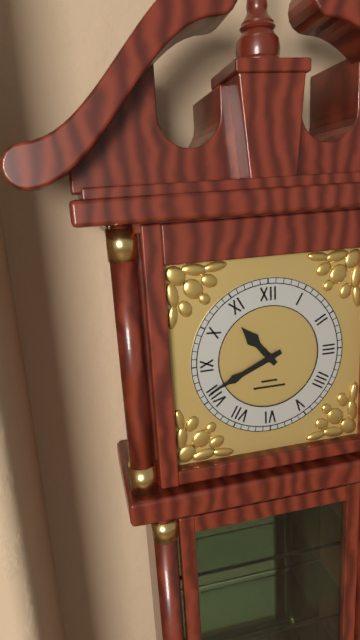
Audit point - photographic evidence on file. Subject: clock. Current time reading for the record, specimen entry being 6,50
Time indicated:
10,41
